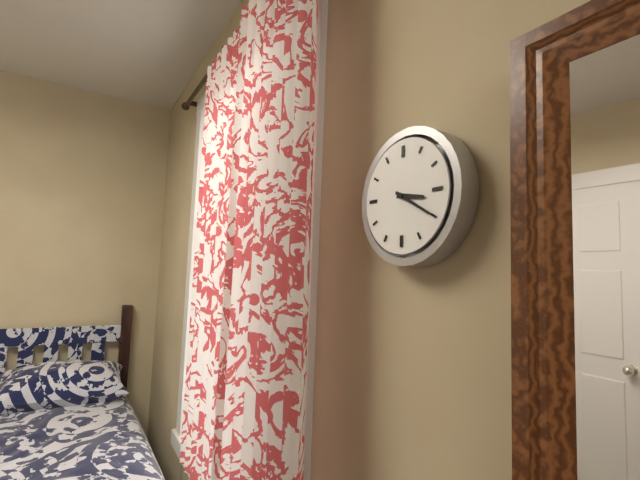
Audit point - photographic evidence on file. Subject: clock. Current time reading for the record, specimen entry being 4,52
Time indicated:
3,20
